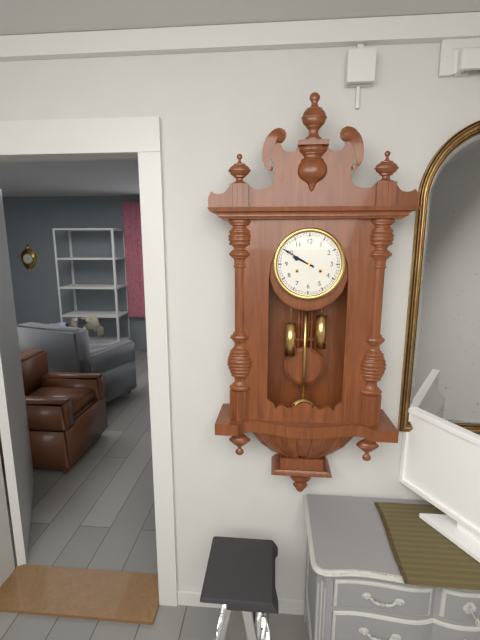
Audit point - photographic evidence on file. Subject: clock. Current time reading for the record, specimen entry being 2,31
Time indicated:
9,50
